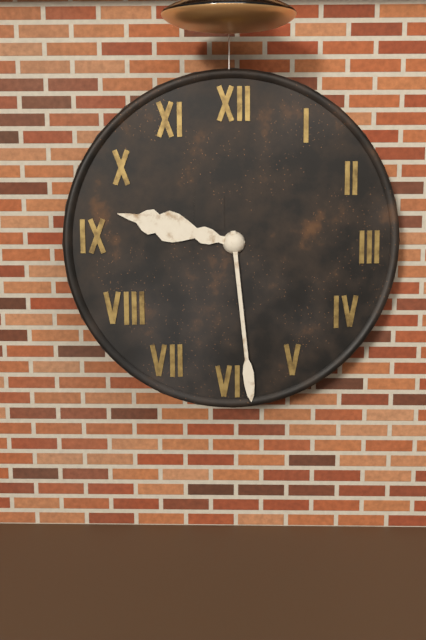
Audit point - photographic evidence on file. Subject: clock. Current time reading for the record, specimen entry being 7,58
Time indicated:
9,29
